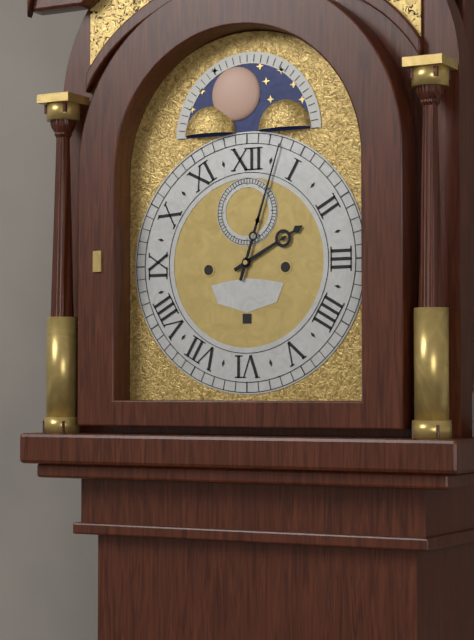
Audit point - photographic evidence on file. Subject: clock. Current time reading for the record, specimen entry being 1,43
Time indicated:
2,03
